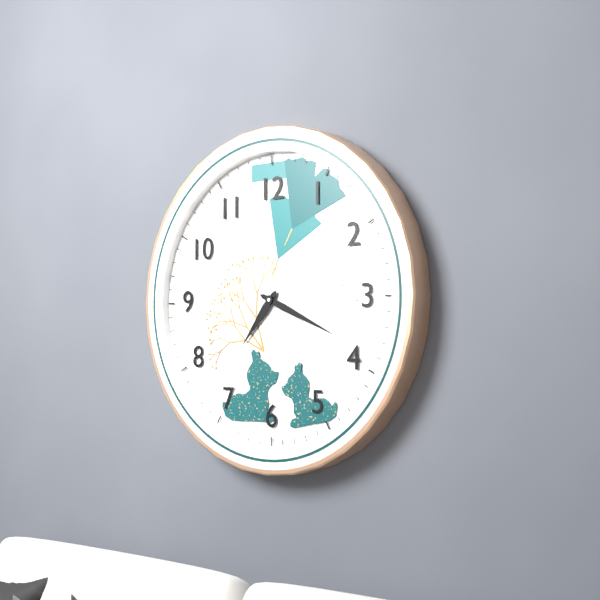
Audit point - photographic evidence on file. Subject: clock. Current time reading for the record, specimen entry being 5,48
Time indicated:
7,19
